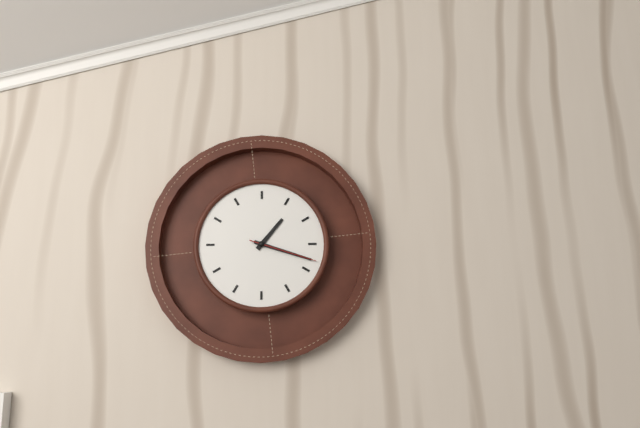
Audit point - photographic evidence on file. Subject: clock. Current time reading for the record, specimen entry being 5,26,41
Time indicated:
1,18,18
